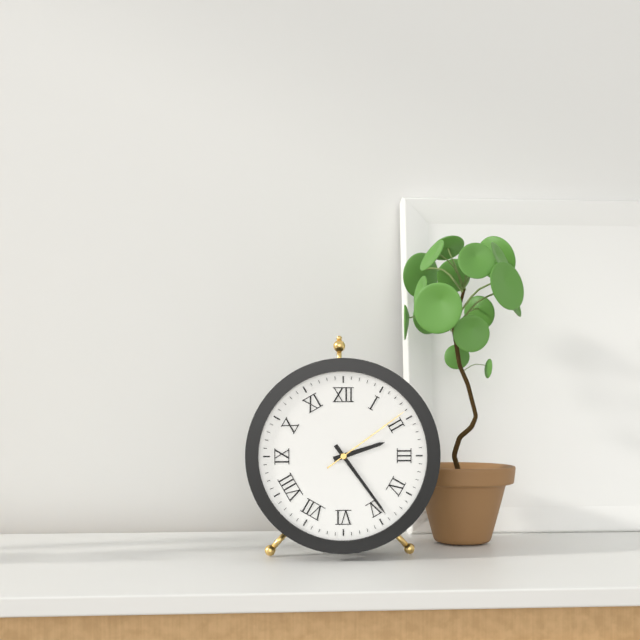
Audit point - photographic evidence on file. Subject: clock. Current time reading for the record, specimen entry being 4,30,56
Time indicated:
2,24,09
